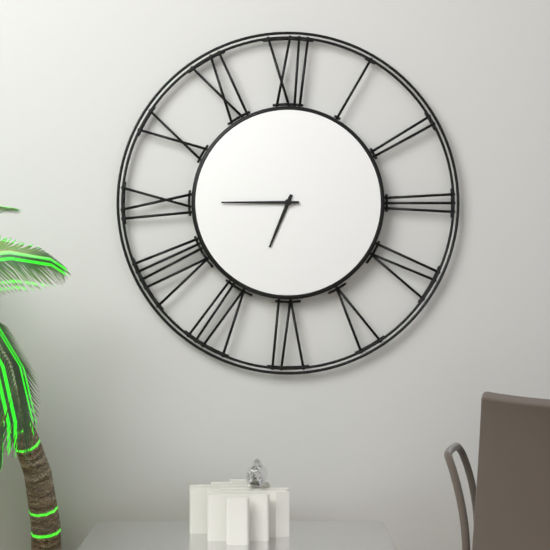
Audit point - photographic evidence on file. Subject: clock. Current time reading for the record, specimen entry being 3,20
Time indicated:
6,45
